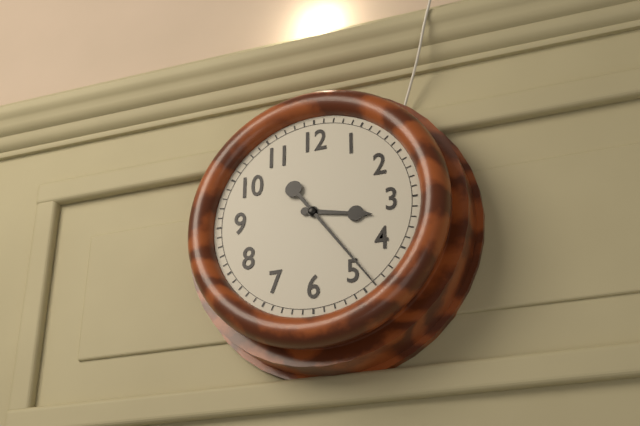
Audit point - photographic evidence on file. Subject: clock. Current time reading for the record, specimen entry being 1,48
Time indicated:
3,24
